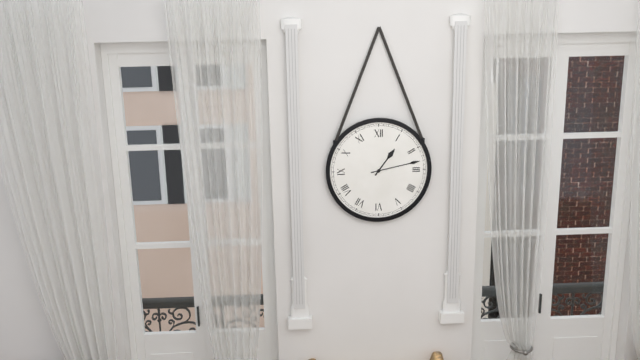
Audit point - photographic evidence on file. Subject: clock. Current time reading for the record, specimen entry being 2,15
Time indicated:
1,13
